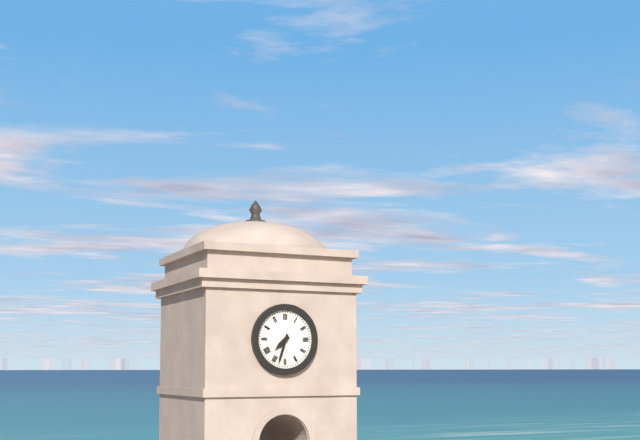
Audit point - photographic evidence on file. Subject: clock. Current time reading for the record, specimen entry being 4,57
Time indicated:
7,33
